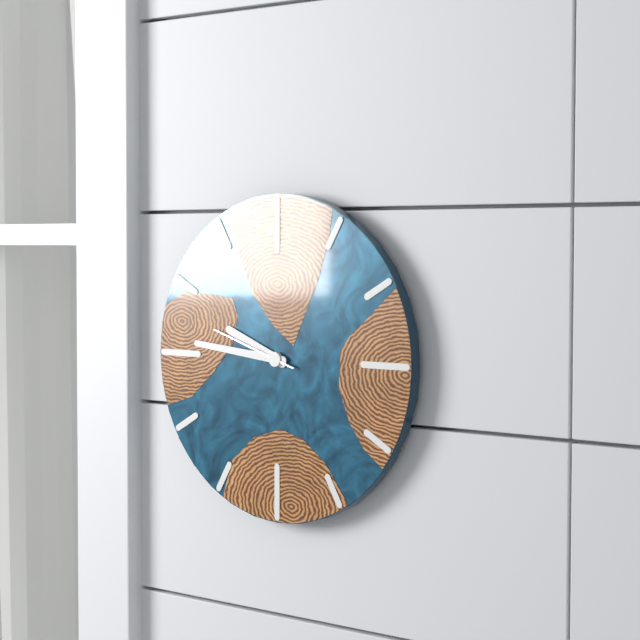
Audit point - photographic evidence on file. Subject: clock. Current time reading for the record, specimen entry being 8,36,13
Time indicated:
9,46,48
